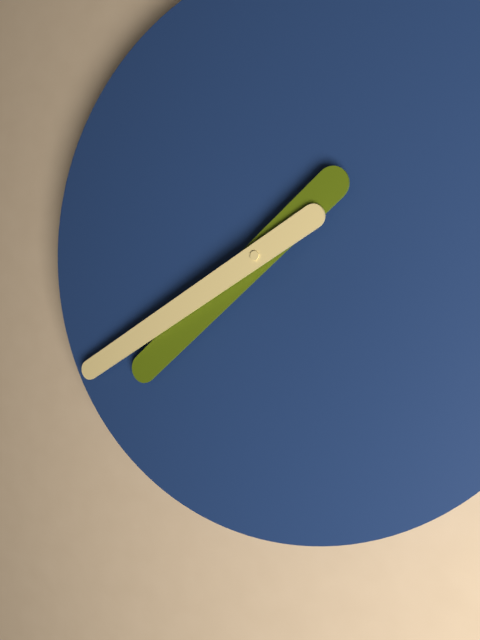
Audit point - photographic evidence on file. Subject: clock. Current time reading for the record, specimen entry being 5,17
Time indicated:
7,40
